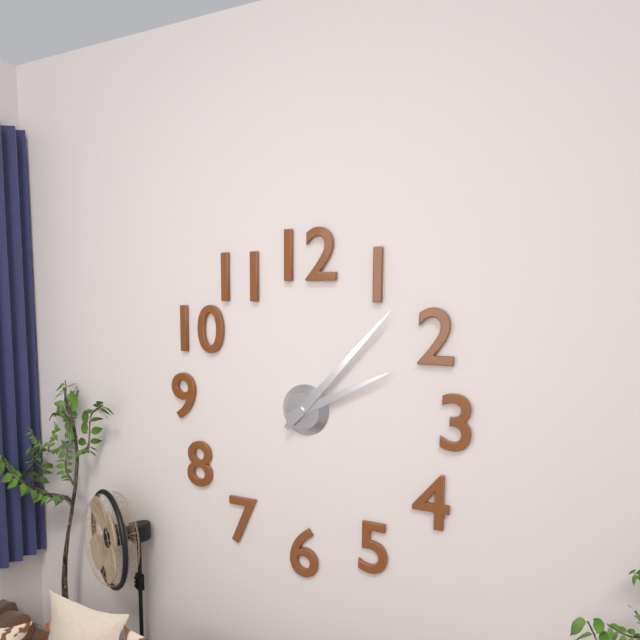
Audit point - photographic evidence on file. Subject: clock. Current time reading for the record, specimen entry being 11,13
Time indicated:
2,07
